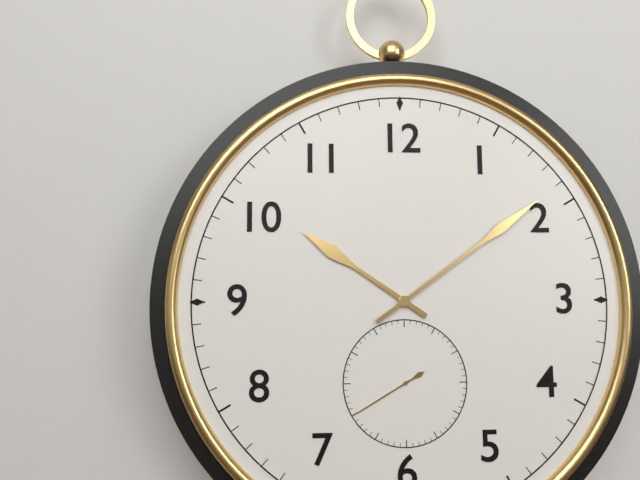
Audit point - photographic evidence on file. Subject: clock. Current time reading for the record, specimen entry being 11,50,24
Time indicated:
10,09,40
